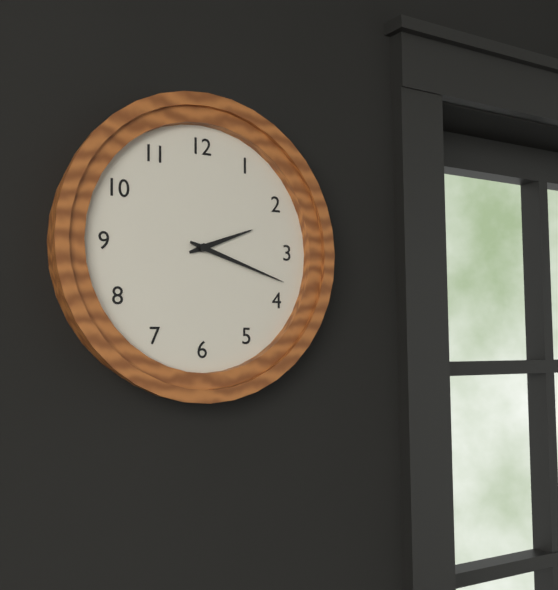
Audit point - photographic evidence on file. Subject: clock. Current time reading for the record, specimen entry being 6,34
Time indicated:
2,18
